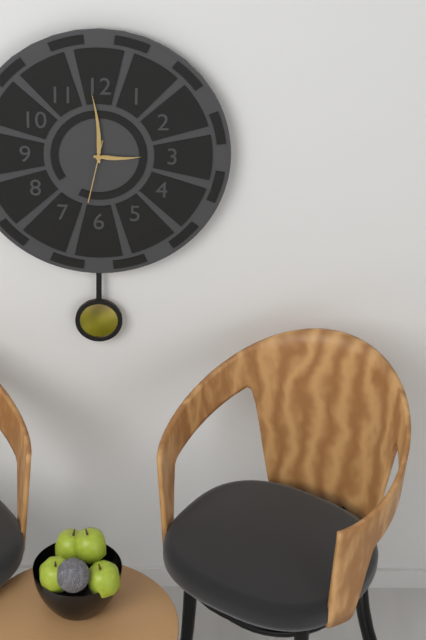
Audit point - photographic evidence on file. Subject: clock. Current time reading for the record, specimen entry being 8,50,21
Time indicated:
2,59,32
